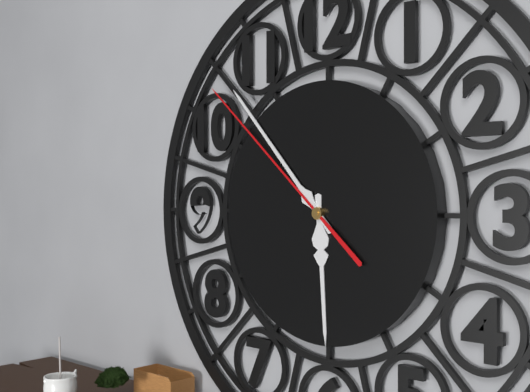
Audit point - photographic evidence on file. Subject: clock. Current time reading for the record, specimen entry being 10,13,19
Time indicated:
5,53,52
